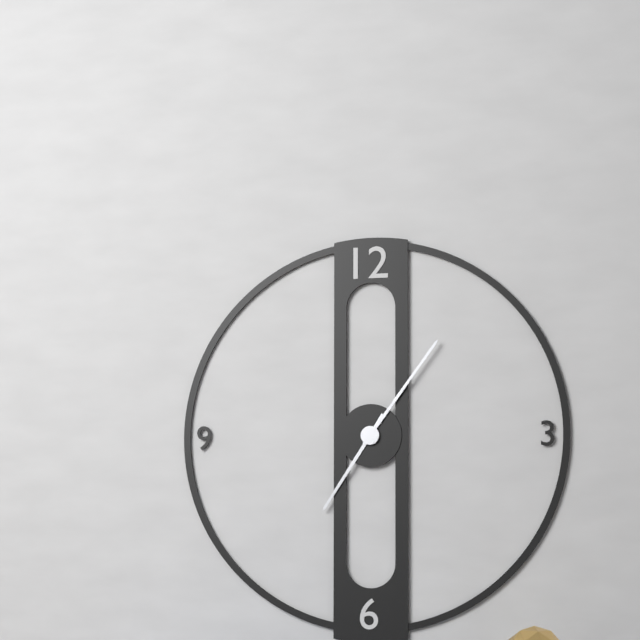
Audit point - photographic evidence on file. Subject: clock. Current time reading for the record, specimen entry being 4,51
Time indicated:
7,06
